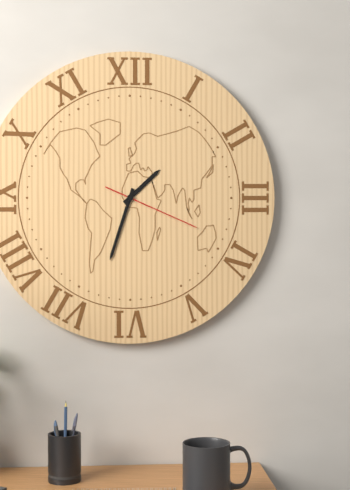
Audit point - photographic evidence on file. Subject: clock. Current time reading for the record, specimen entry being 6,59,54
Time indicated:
1,33,19
